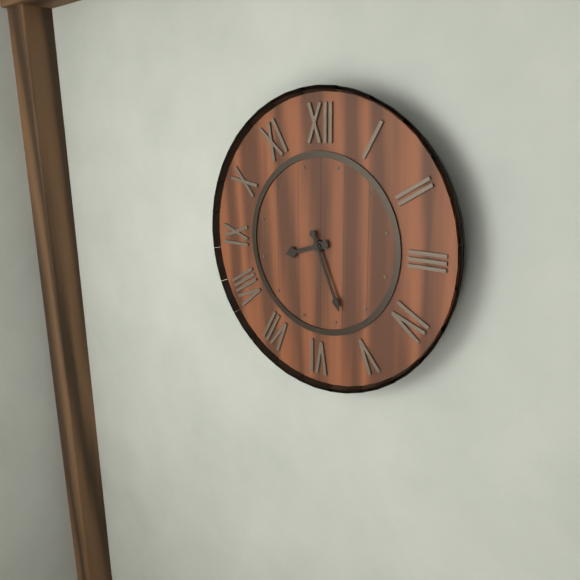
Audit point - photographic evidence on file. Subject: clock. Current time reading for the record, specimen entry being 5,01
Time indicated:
8,26
